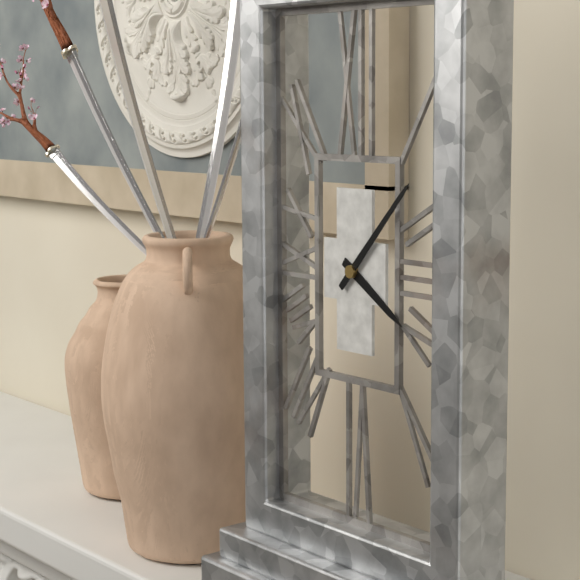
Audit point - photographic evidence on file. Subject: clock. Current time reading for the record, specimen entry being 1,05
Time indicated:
4,07
